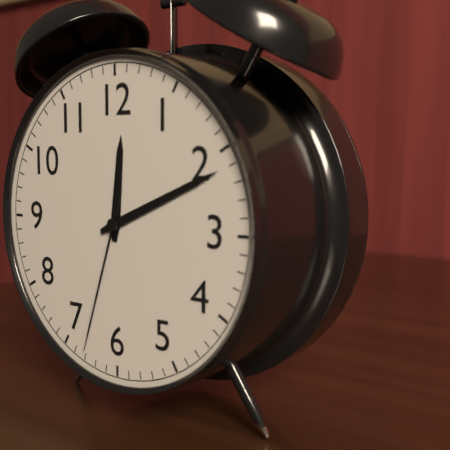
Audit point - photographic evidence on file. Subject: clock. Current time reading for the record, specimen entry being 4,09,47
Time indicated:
12,11,33
